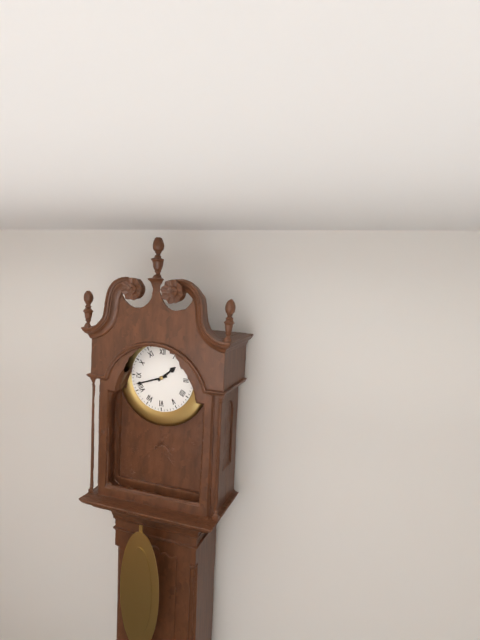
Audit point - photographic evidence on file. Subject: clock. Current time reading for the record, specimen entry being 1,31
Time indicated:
1,42
